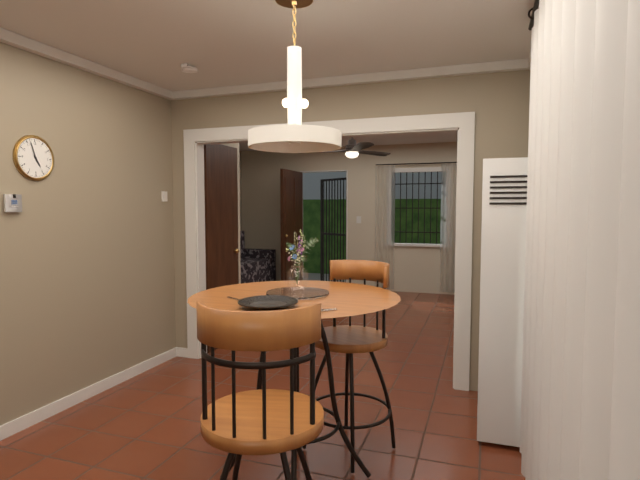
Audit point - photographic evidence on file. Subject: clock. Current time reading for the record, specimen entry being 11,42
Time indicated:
4,57
